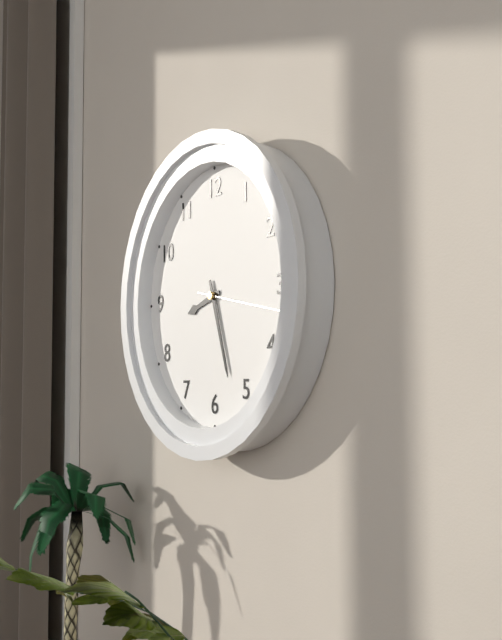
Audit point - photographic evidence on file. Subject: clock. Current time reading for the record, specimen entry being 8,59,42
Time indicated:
8,27,17
